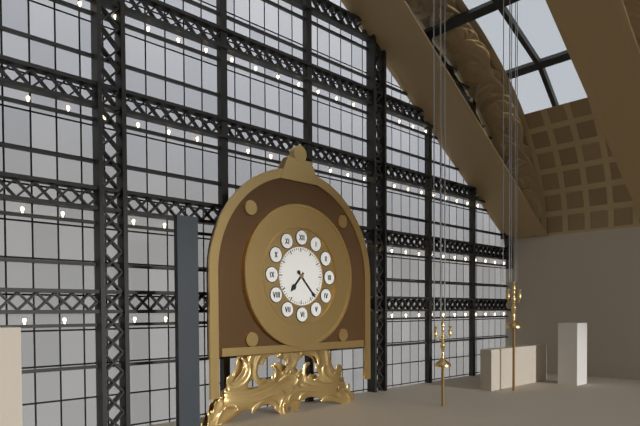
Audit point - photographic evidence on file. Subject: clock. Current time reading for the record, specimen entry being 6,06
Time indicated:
7,23
